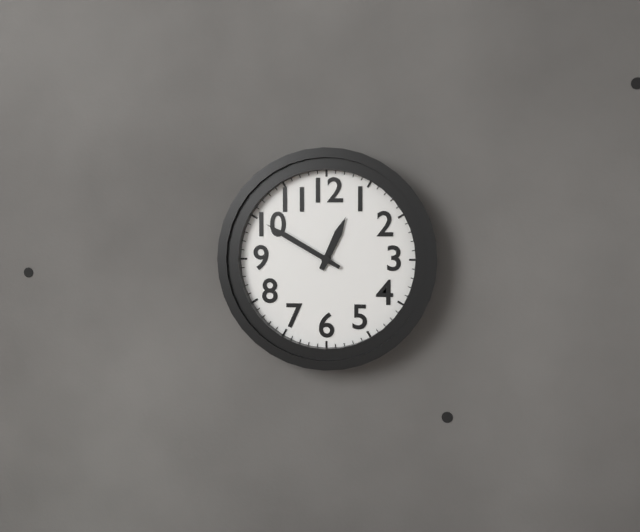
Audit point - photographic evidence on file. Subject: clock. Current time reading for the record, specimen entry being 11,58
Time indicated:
12,50
